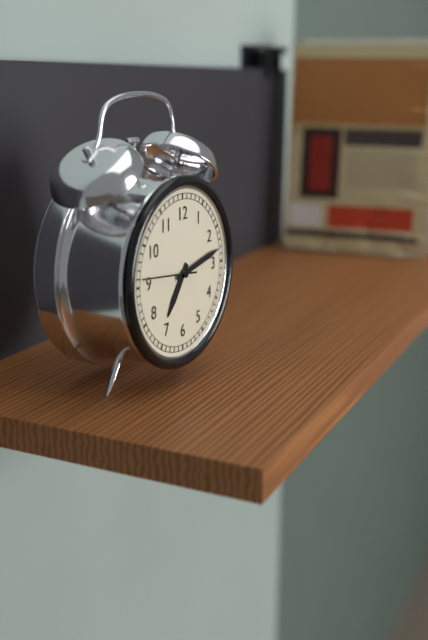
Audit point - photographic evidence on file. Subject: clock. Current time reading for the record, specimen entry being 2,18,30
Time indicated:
7,13,46
